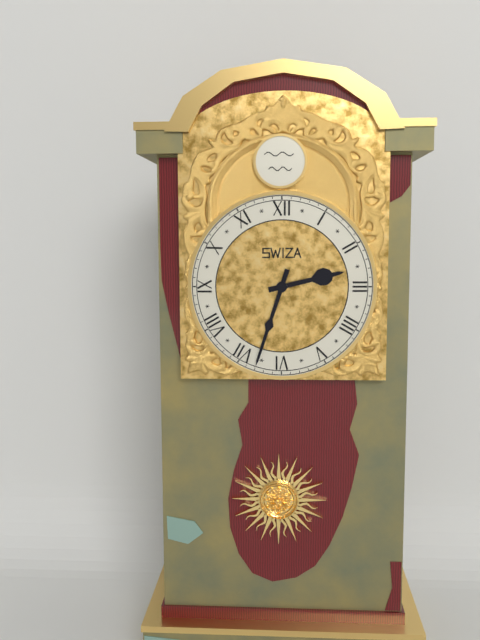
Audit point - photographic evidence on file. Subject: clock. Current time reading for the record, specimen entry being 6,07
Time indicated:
2,33
